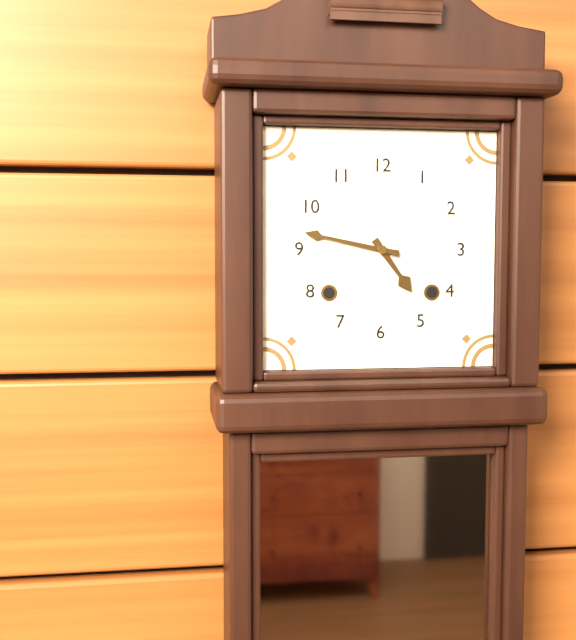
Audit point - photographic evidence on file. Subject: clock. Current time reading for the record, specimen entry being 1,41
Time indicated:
4,47
